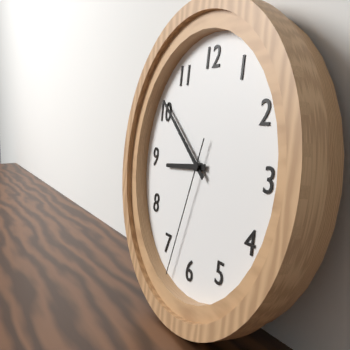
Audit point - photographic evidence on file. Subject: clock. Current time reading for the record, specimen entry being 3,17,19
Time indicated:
8,51,33
